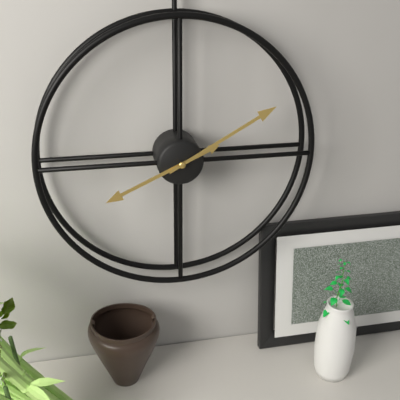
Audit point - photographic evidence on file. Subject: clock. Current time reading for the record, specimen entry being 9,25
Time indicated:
8,10
